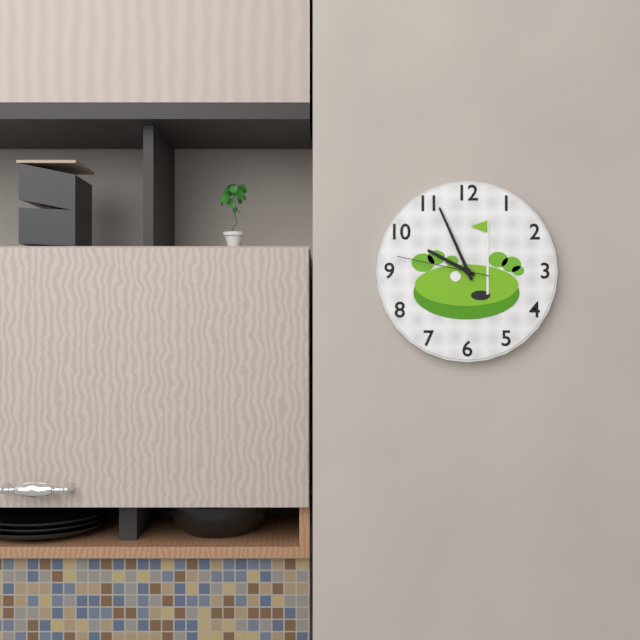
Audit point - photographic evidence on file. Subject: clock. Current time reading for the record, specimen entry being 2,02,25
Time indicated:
9,56,47
